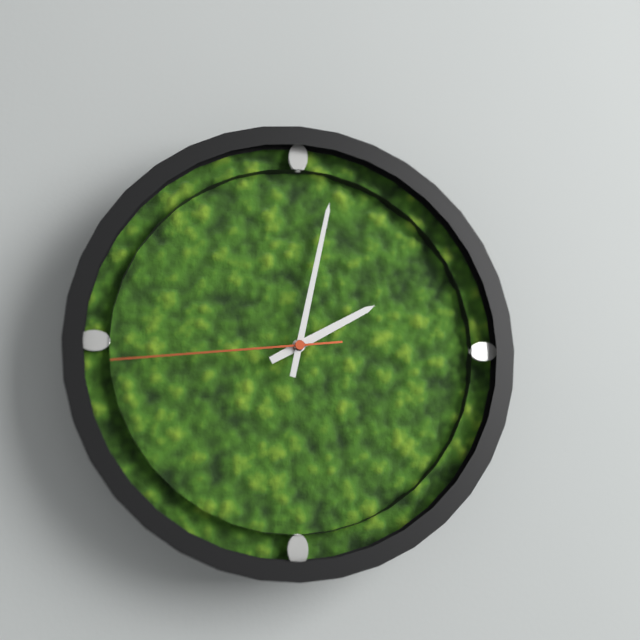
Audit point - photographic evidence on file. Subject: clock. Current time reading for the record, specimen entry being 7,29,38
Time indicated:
2,02,44
